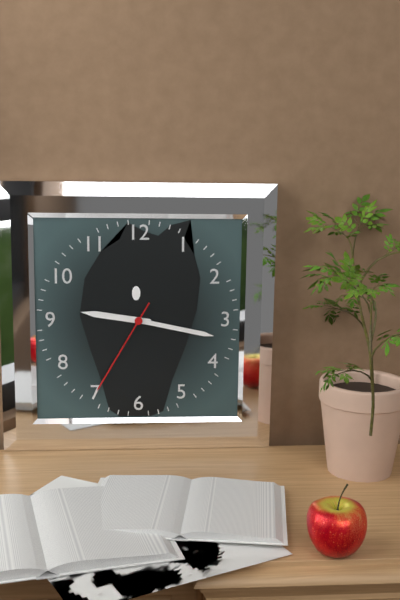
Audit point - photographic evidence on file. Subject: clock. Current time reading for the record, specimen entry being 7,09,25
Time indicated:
9,17,35
